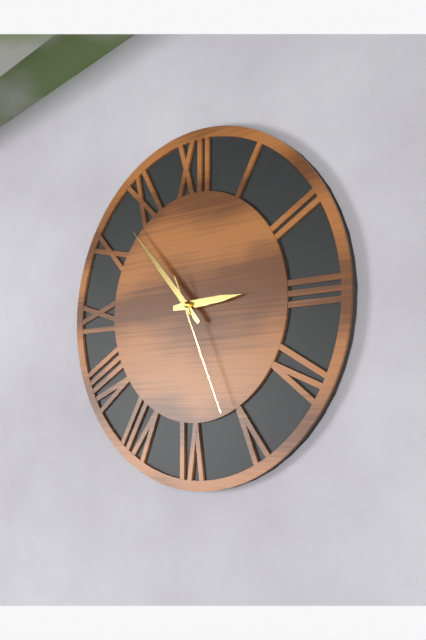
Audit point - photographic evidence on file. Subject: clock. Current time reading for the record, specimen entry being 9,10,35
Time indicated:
2,53,26
